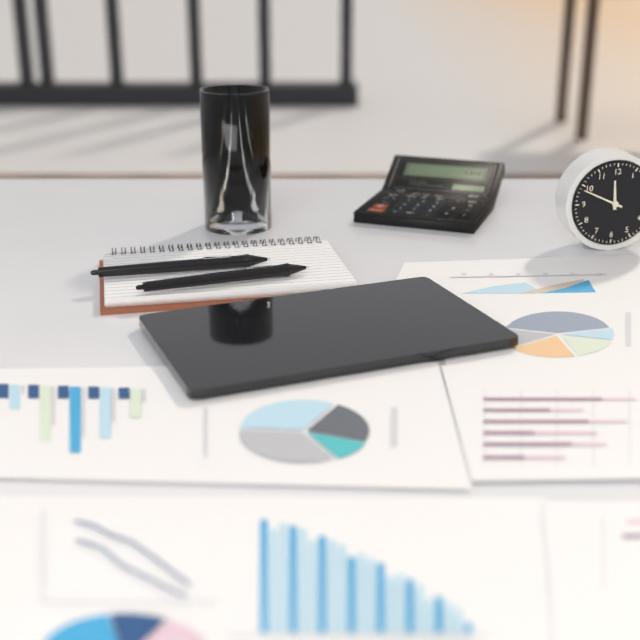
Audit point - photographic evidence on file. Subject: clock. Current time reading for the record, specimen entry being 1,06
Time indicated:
11,49
